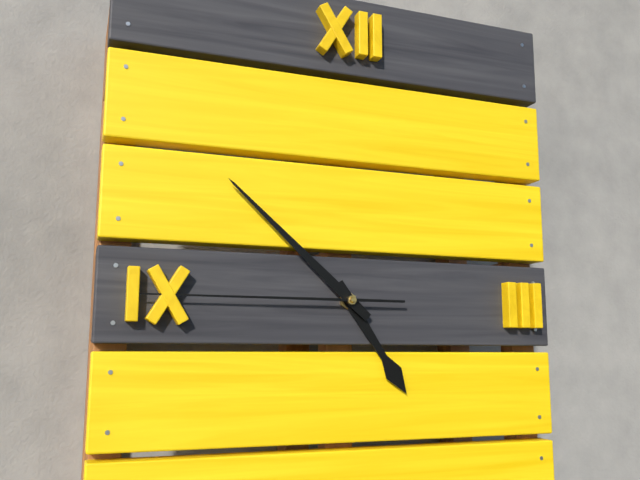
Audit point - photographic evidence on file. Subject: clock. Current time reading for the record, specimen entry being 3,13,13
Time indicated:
4,52,45
